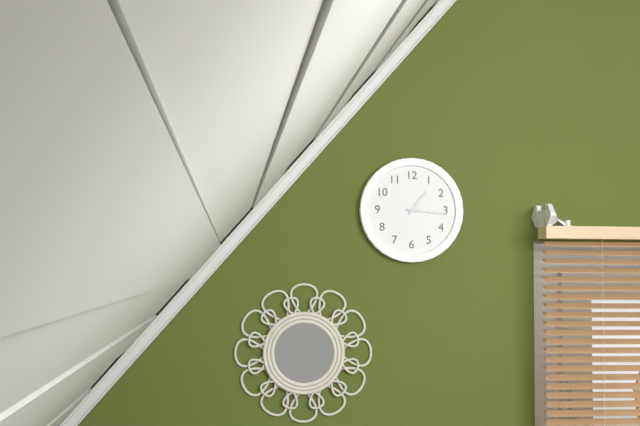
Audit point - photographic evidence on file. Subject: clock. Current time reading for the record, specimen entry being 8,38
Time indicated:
1,16
